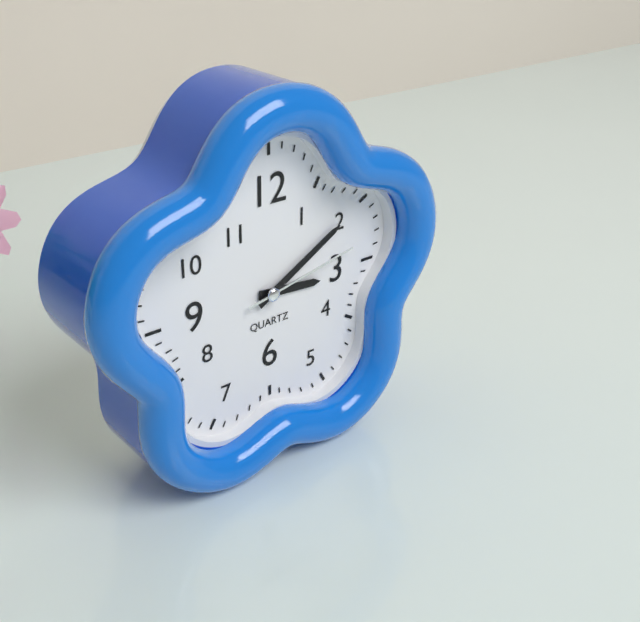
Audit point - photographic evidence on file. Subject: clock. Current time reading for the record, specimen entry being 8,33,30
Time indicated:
3,10,13
